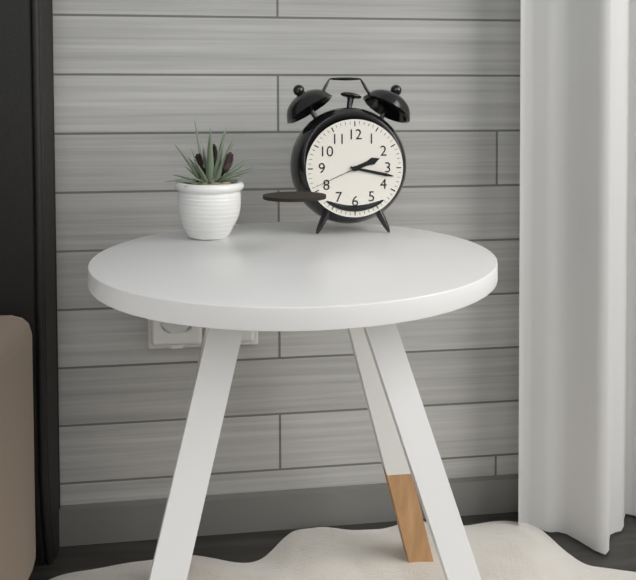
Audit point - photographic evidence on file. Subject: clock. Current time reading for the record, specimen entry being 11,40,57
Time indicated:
2,17,41
